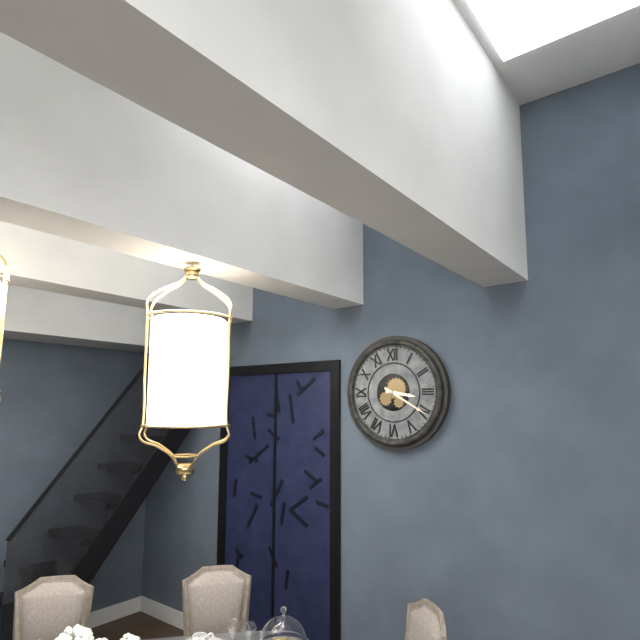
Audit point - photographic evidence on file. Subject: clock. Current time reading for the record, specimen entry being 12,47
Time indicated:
3,20
